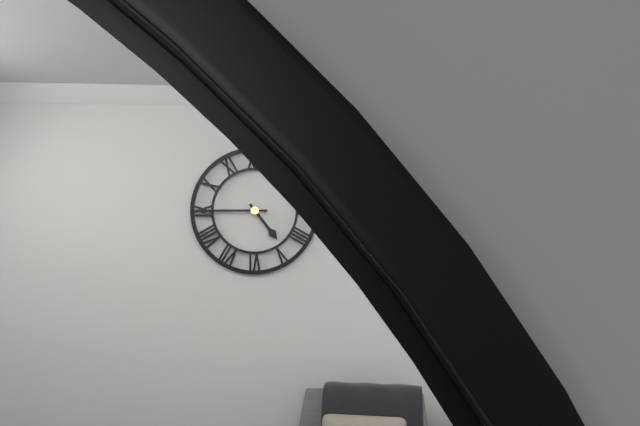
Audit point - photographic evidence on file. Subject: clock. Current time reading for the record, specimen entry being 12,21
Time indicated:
4,45
